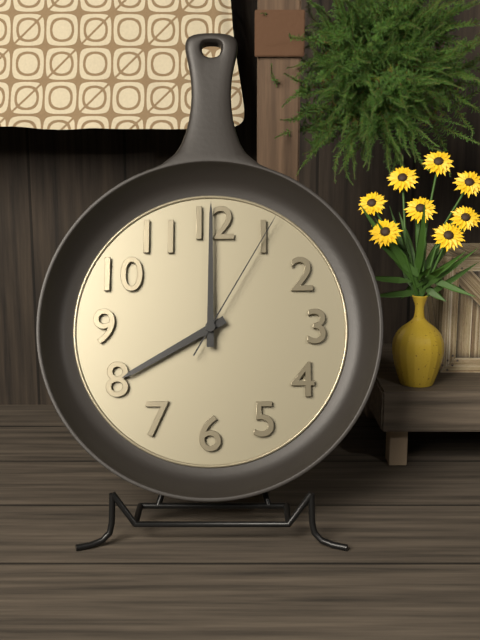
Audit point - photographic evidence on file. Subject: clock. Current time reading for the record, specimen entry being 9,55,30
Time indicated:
8,00,05
